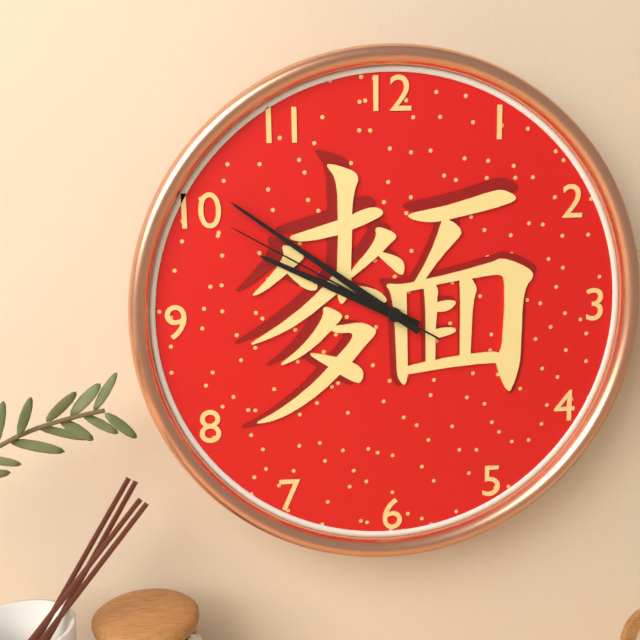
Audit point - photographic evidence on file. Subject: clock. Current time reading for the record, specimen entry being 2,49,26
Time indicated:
9,51,50
